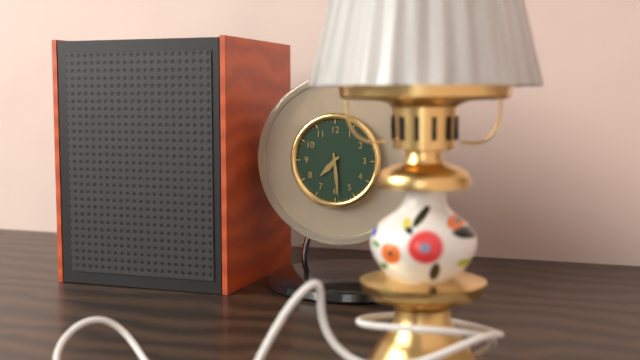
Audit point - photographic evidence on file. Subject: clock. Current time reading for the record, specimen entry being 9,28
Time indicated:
7,29
